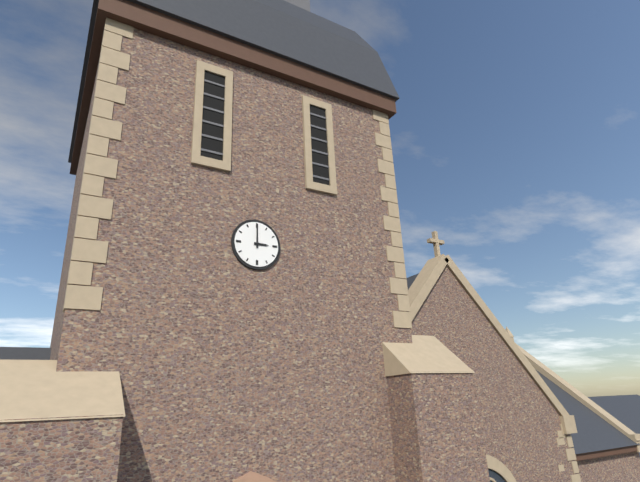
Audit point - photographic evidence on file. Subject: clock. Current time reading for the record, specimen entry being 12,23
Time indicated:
3,00
